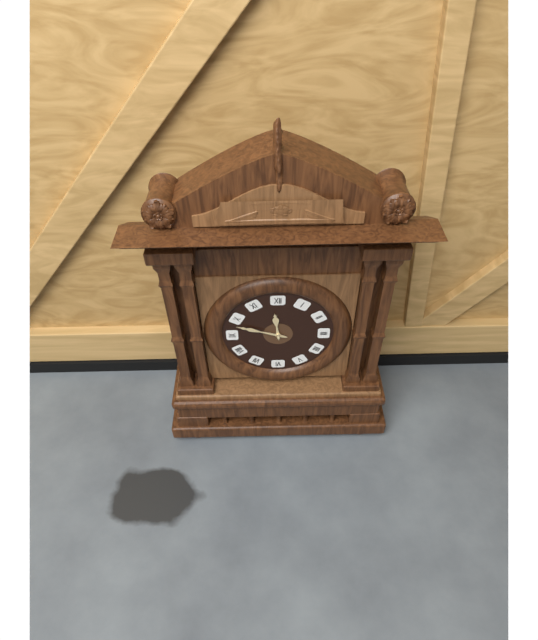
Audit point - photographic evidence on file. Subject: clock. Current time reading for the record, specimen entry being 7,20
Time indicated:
11,48
